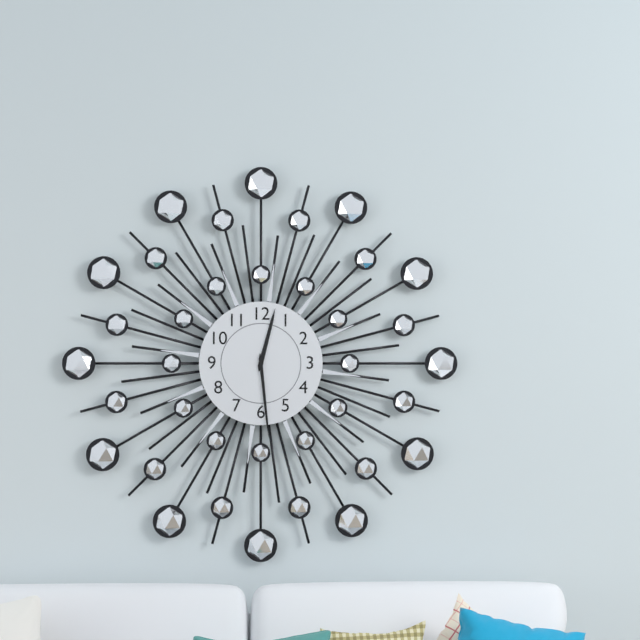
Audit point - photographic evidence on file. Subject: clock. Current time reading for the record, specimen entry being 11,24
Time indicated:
12,29
